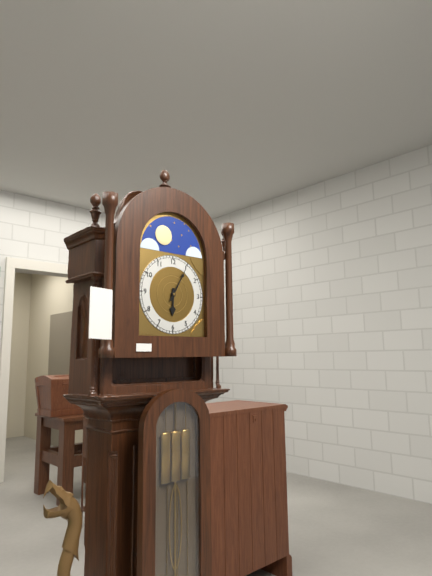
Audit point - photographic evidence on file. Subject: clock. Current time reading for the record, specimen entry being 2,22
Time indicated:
6,05
